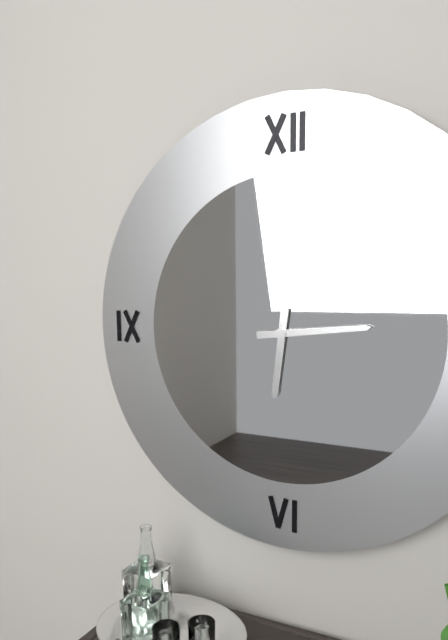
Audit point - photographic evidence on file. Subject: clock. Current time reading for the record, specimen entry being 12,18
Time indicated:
6,14
